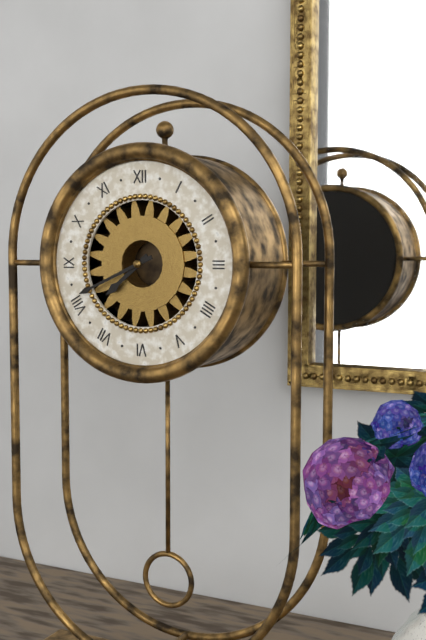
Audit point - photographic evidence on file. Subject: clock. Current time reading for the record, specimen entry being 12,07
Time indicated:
7,41
